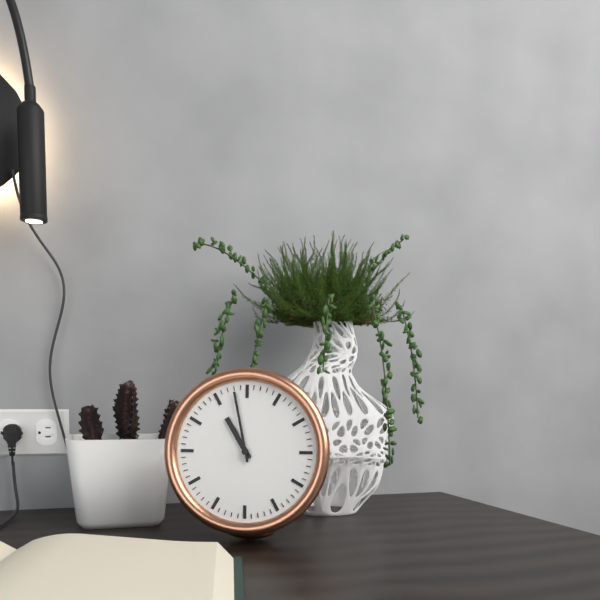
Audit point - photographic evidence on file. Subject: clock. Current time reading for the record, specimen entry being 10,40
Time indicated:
10,58
